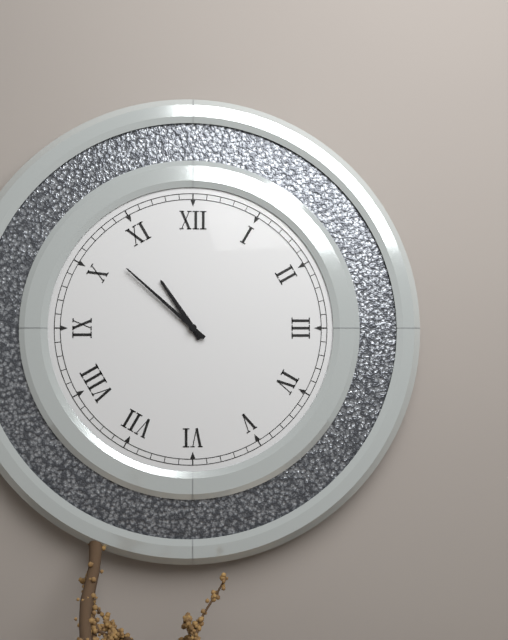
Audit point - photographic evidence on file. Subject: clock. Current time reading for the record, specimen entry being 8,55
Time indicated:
10,52
